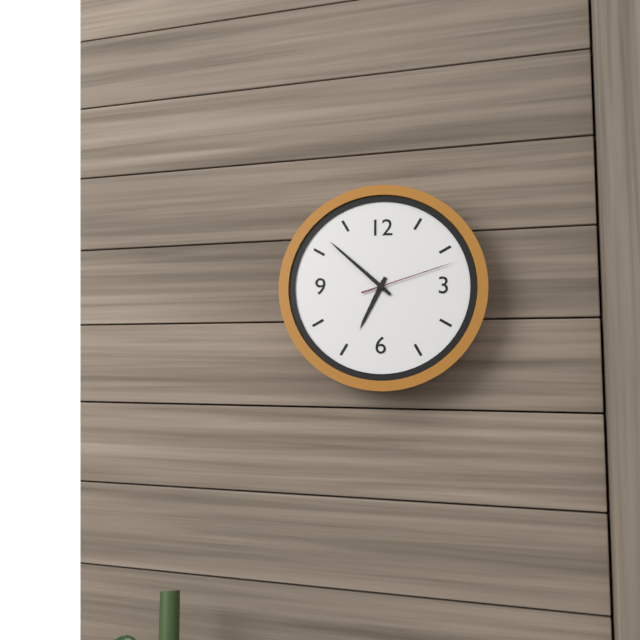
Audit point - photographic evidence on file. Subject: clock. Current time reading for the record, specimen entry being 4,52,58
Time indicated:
6,52,12
